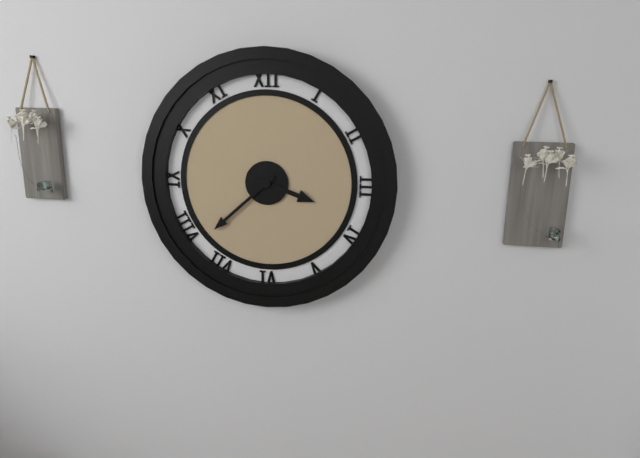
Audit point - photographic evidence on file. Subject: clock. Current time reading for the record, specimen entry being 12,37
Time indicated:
3,38
